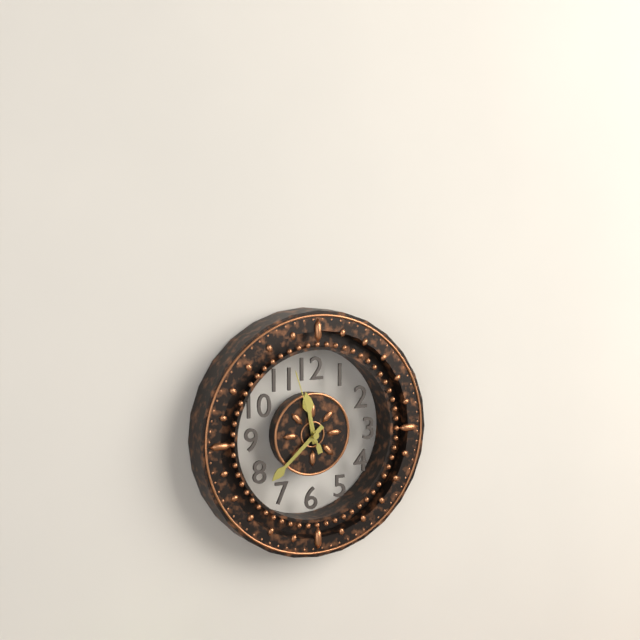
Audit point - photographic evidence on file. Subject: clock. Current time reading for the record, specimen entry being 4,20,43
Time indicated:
11,38,57
